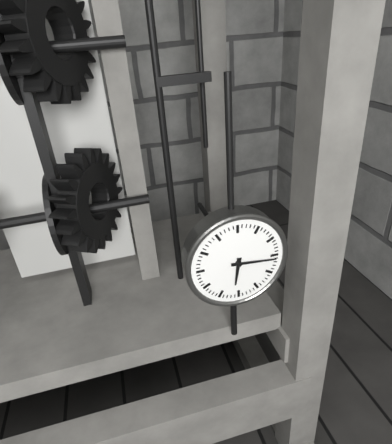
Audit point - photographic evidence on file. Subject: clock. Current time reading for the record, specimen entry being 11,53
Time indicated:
6,16
